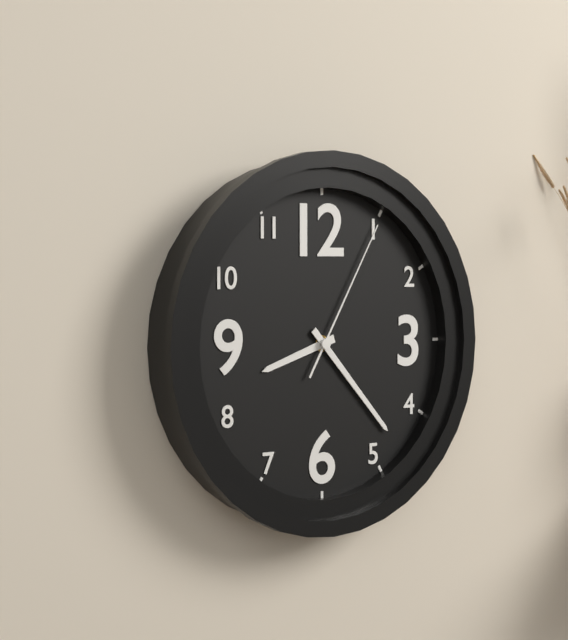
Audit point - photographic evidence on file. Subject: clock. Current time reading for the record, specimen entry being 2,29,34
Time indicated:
8,23,05
